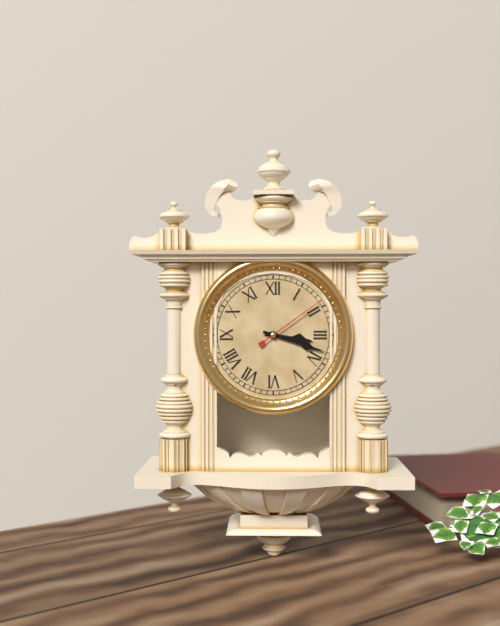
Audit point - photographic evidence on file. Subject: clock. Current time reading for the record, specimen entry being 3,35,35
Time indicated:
3,18,09
